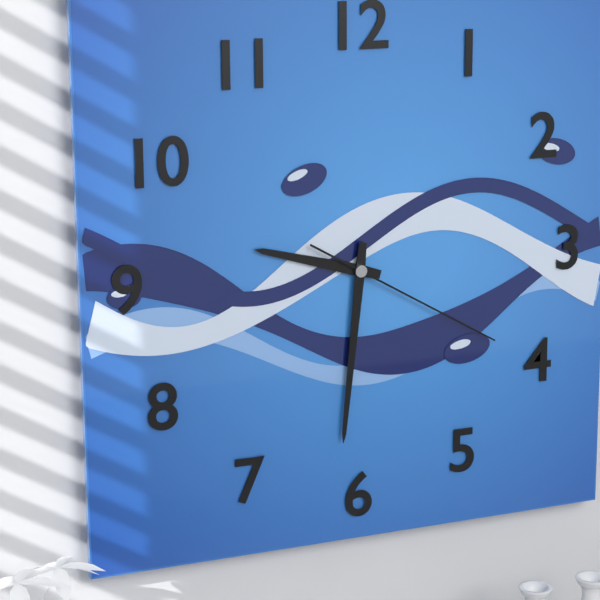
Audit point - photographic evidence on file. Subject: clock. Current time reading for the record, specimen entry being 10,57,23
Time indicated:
9,31,20
